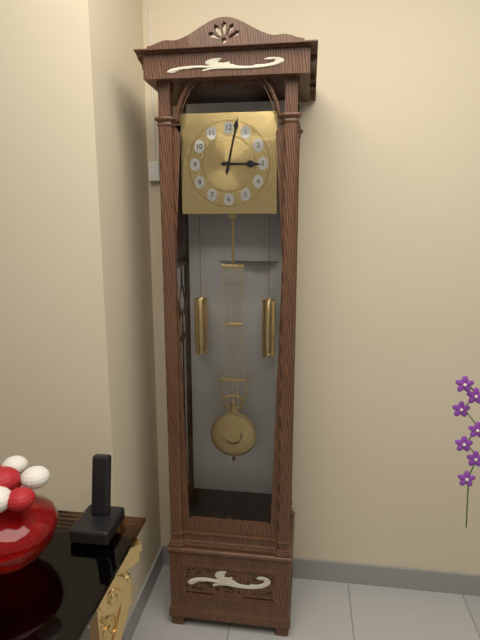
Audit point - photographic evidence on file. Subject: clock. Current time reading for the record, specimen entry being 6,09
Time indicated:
3,02
